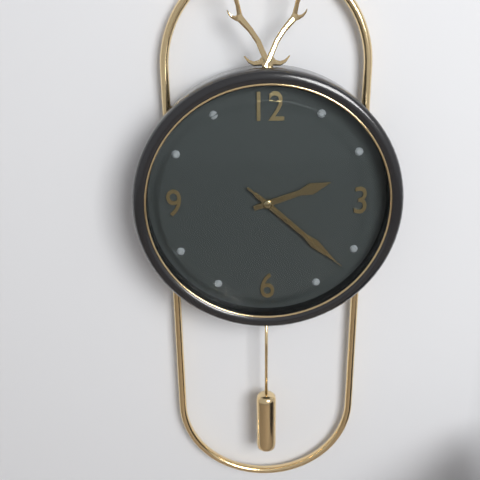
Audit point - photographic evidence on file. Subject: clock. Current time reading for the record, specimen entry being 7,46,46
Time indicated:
2,22,22
